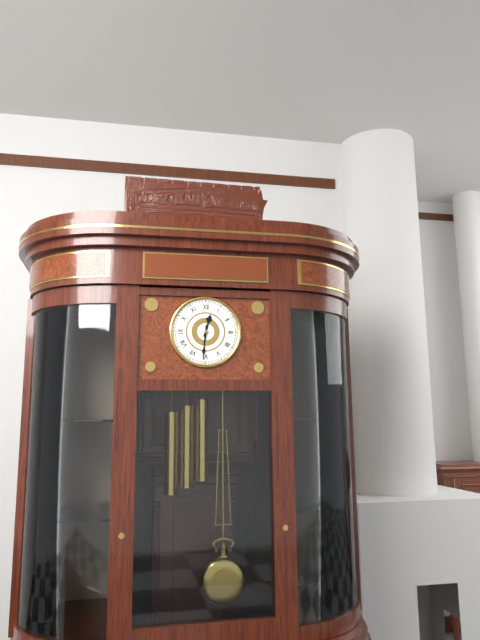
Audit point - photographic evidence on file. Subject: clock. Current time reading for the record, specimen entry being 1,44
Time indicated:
12,31
